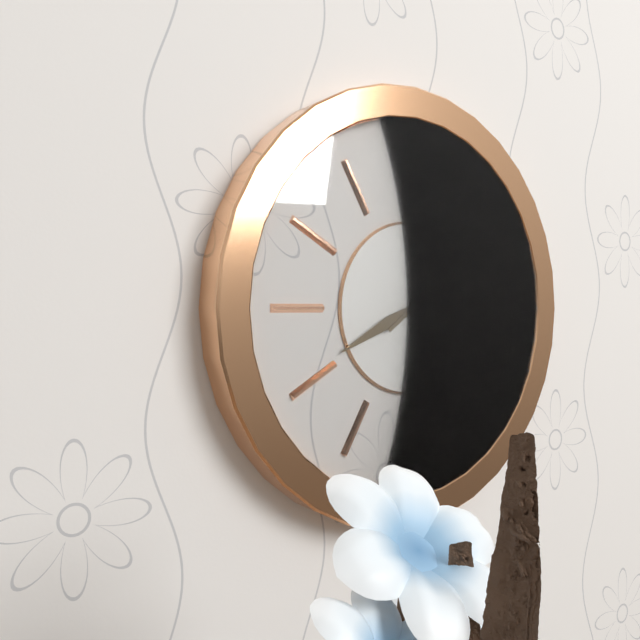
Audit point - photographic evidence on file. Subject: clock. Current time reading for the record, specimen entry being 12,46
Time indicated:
8,09
